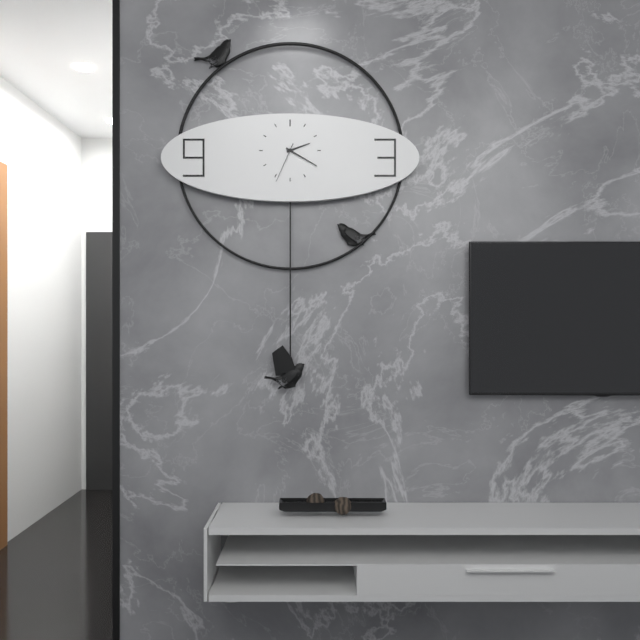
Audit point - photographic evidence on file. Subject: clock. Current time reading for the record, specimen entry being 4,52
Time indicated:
2,20
